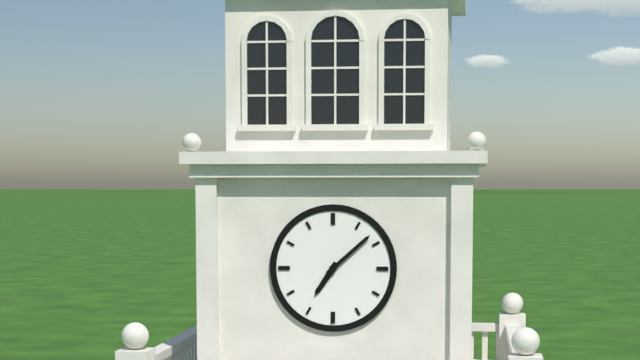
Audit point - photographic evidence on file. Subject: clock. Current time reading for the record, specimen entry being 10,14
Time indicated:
7,08
